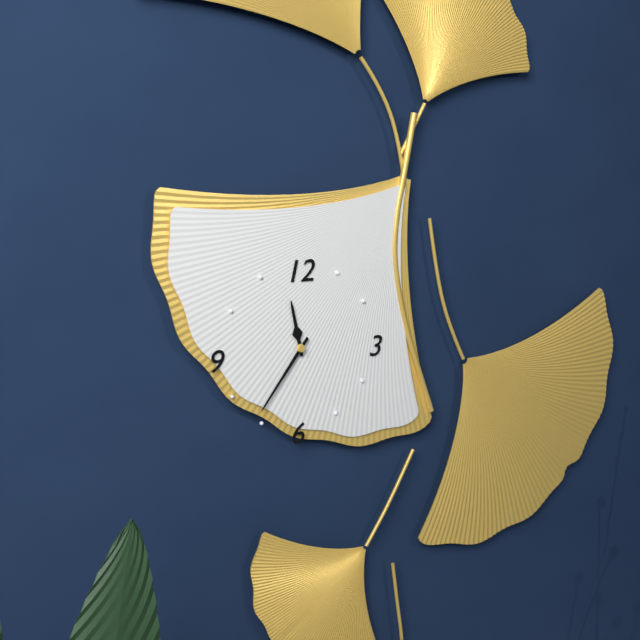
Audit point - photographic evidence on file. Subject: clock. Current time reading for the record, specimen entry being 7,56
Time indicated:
11,36
